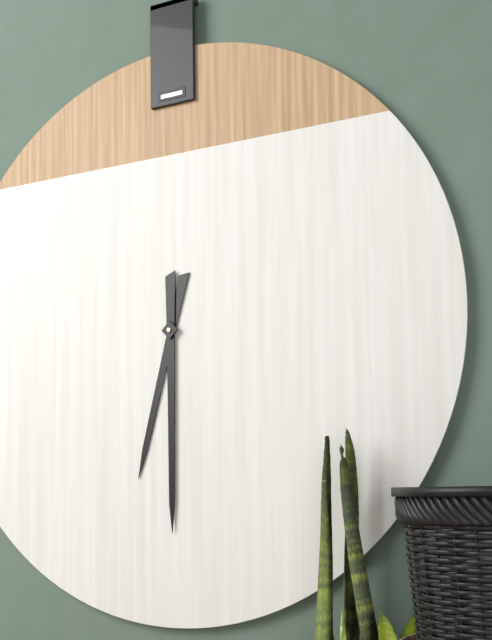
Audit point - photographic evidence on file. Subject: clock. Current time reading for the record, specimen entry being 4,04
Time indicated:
6,30
